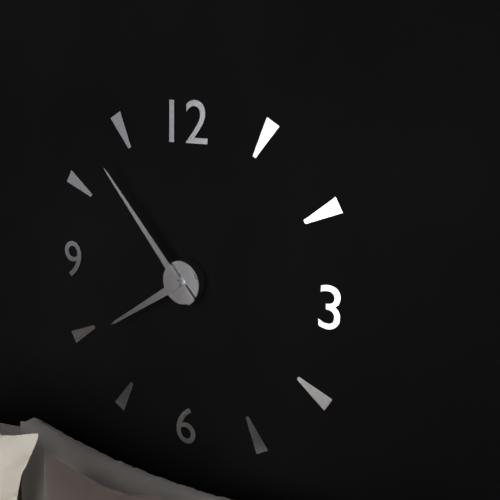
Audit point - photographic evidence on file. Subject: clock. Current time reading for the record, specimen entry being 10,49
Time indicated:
7,53
